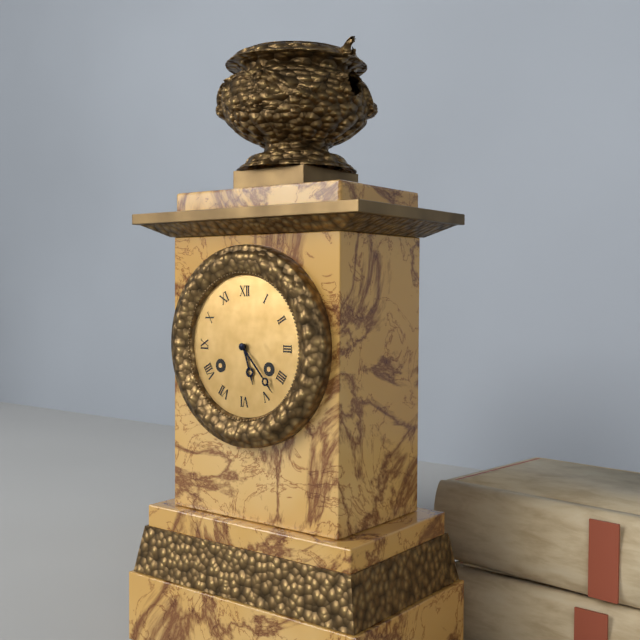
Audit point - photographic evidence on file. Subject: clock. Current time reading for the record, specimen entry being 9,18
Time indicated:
5,23
